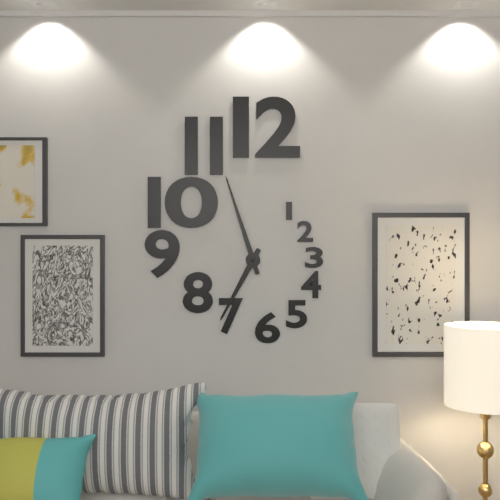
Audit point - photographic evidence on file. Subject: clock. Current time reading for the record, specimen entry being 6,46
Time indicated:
6,57
